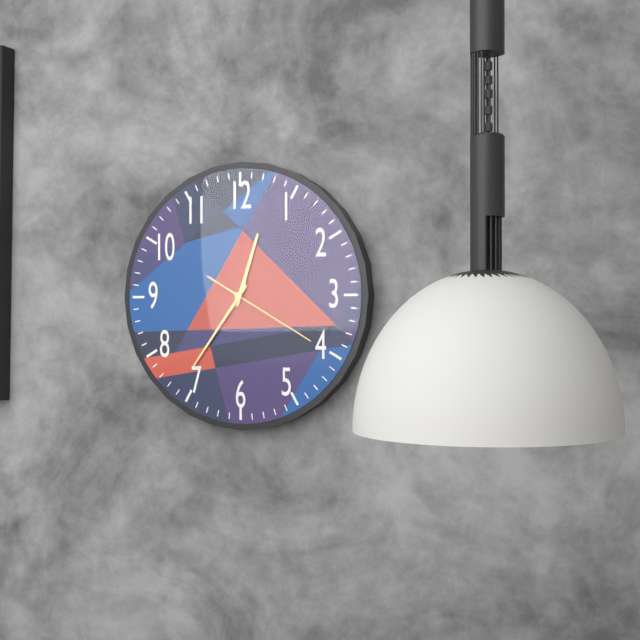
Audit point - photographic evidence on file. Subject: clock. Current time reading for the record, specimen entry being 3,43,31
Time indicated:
12,36,20
